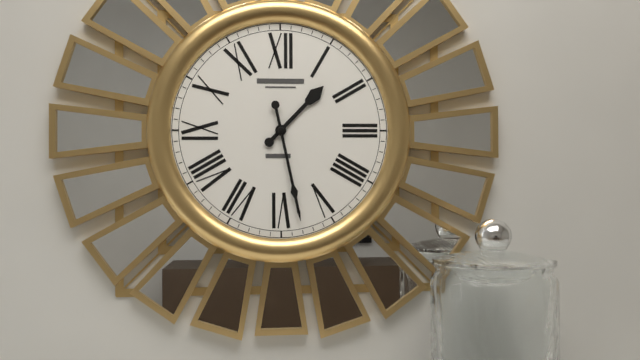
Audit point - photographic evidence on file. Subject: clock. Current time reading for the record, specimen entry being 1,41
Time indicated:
1,28
